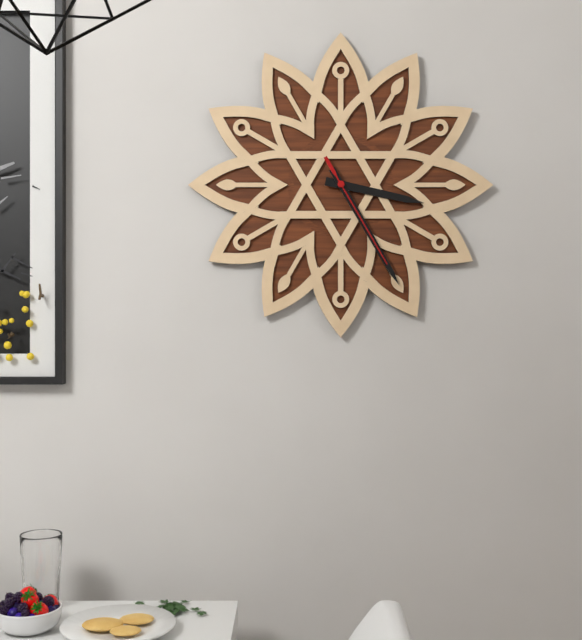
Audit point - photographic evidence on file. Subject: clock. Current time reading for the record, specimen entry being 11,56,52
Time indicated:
3,25,25
